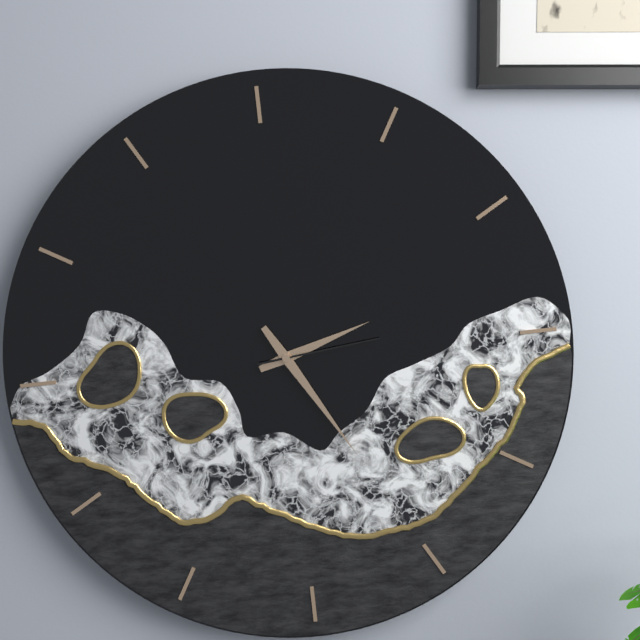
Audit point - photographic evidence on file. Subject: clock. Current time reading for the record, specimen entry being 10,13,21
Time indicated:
2,25,14
